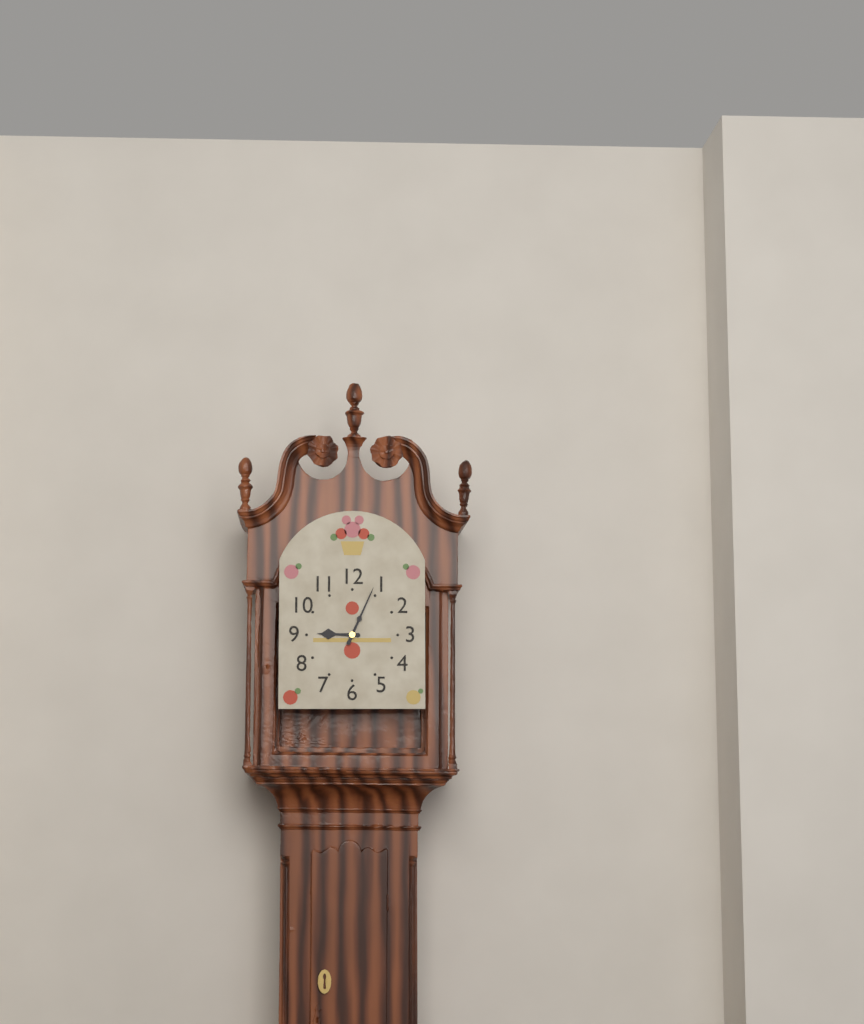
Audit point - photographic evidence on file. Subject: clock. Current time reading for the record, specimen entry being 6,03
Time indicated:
9,04
